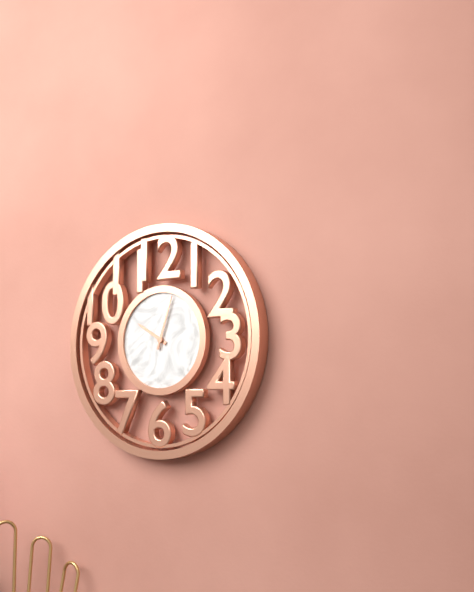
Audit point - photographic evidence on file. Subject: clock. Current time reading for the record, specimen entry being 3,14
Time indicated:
10,03
